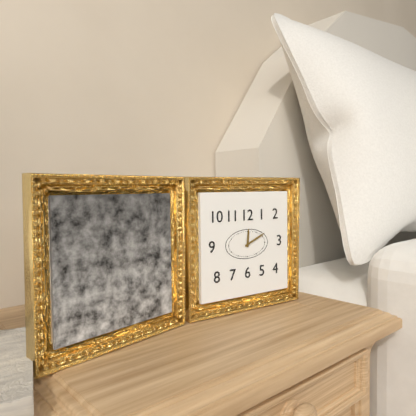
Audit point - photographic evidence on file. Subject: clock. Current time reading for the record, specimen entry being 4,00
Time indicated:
12,11
